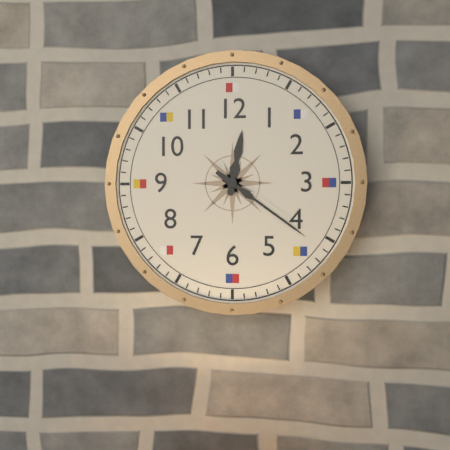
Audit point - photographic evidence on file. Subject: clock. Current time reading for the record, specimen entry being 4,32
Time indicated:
12,21
